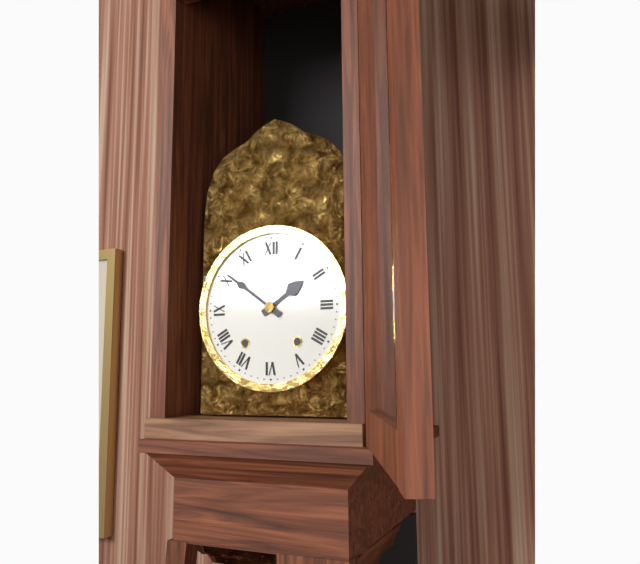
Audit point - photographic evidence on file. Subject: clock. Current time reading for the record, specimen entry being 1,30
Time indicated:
1,51
